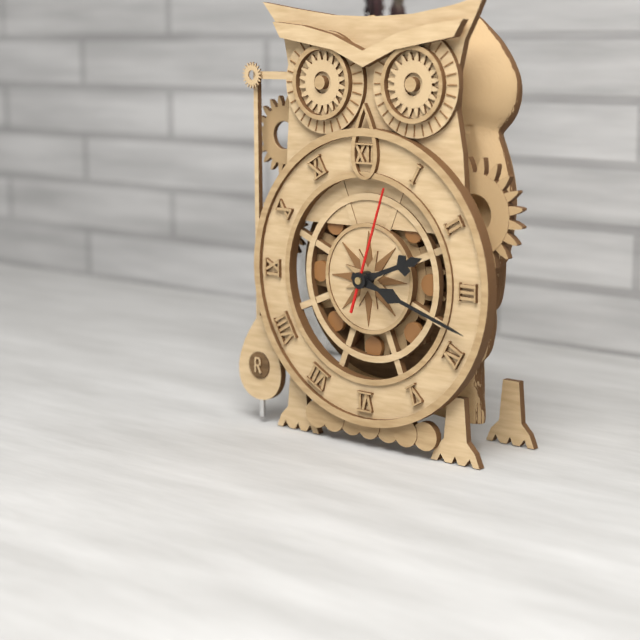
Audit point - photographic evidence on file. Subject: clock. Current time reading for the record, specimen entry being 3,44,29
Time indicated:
2,18,03
